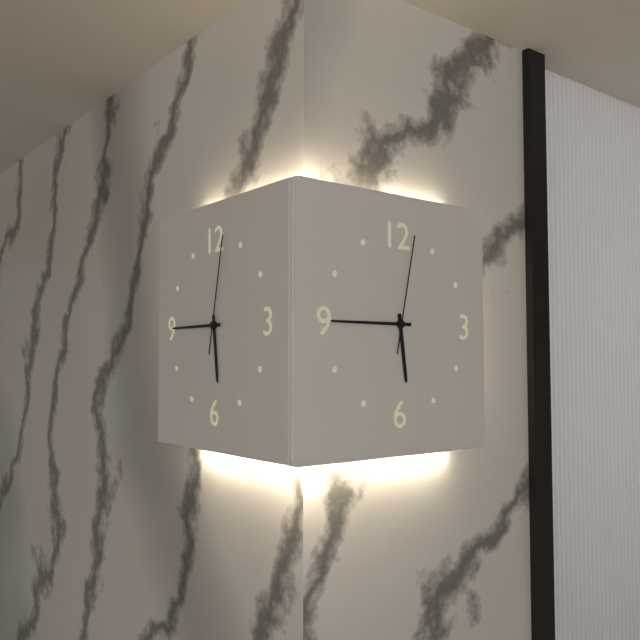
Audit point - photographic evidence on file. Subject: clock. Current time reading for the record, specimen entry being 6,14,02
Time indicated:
5,45,02
